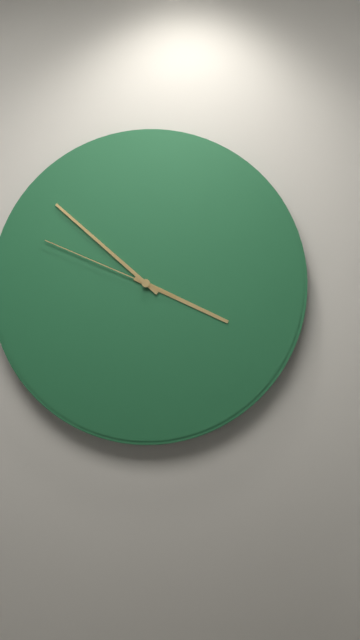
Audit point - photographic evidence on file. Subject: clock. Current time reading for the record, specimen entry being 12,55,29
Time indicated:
3,52,49
